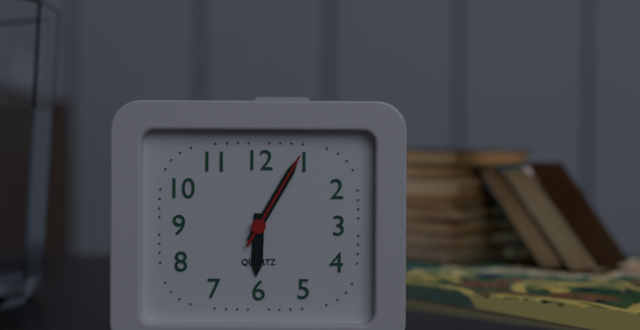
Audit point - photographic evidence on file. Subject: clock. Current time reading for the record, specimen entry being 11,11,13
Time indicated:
6,05,05
